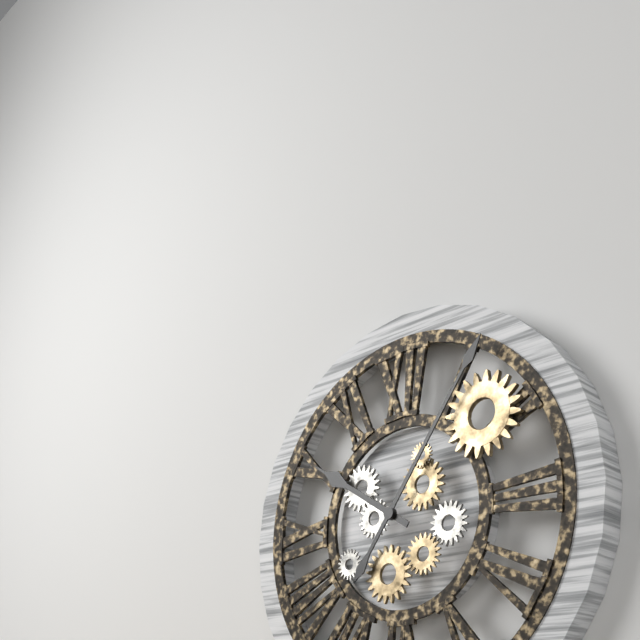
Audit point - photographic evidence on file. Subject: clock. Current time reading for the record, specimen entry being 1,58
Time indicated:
10,06
